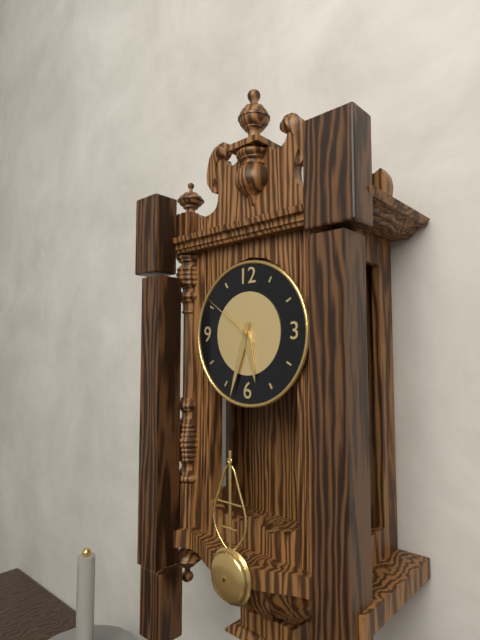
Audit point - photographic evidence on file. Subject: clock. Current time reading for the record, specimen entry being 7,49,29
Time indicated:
5,33,51
